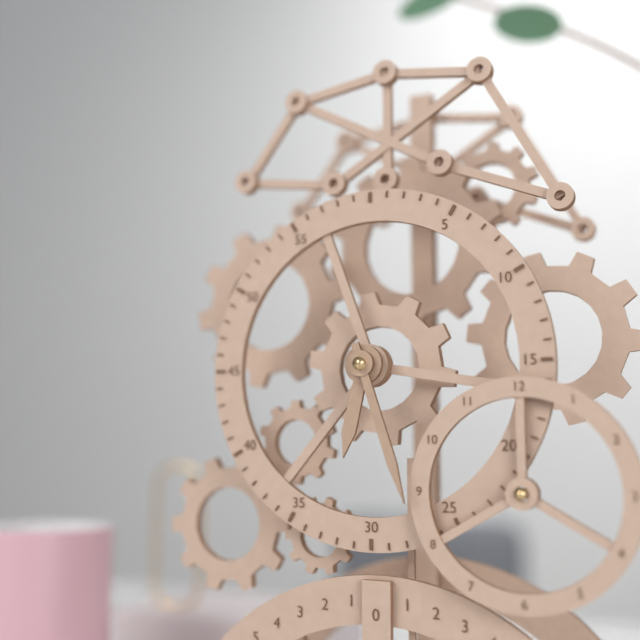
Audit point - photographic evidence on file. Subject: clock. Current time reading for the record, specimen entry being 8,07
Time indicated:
6,27
